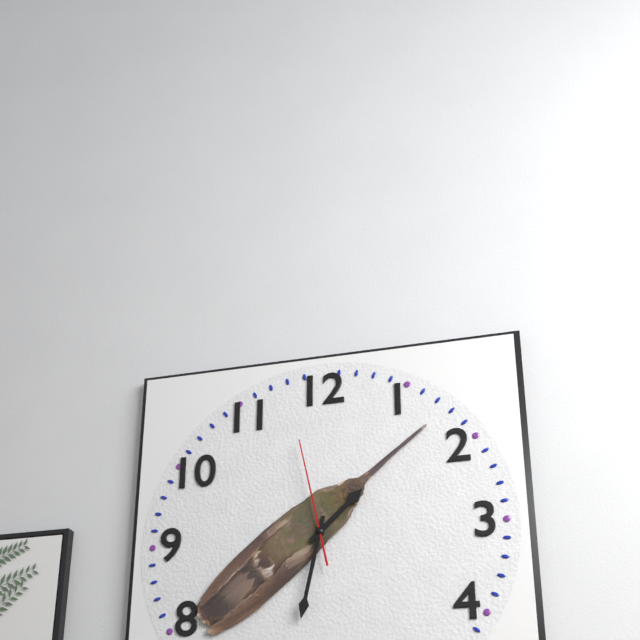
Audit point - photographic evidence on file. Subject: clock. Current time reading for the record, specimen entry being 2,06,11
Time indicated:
1,32,58
